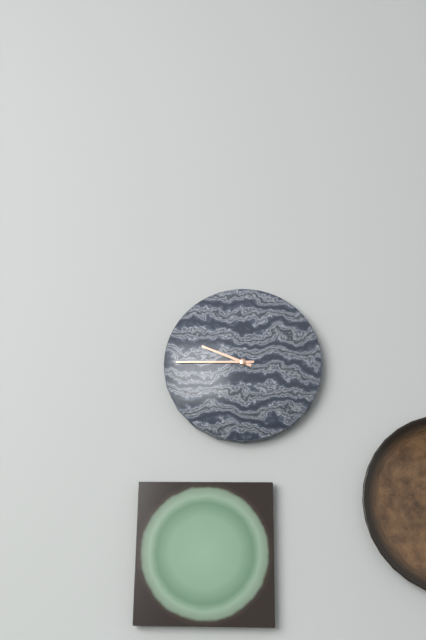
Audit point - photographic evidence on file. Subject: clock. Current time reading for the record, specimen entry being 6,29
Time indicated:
9,45
